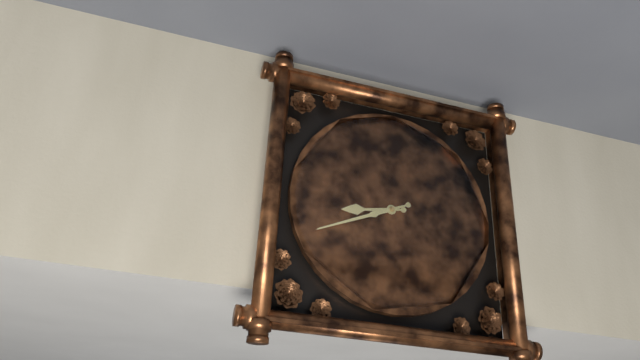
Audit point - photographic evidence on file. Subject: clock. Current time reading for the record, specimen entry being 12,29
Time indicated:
8,41
